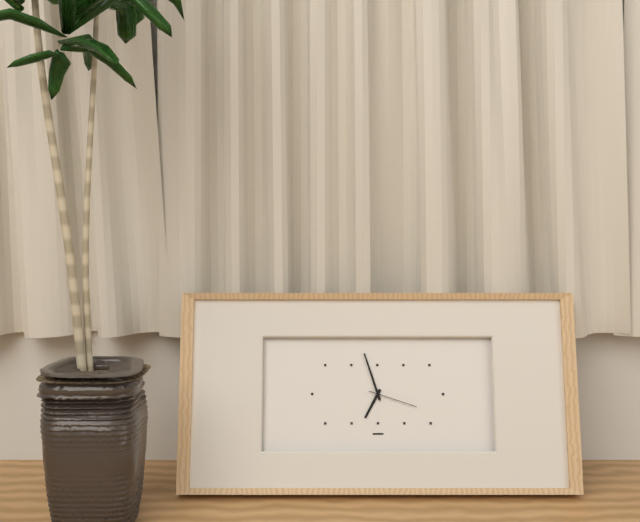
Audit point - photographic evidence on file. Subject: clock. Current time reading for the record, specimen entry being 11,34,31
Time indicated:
6,57,18
